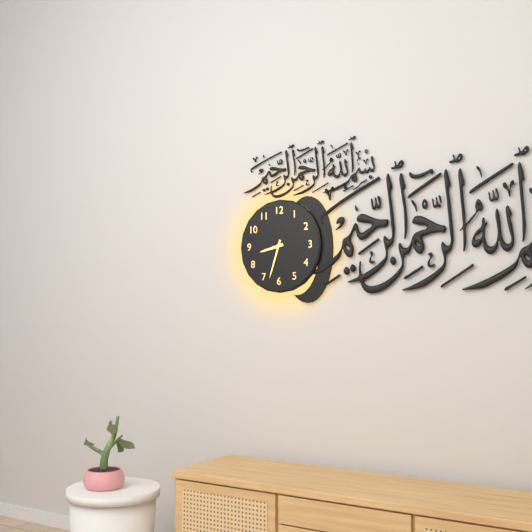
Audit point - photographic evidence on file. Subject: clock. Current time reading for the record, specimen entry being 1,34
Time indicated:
8,33
